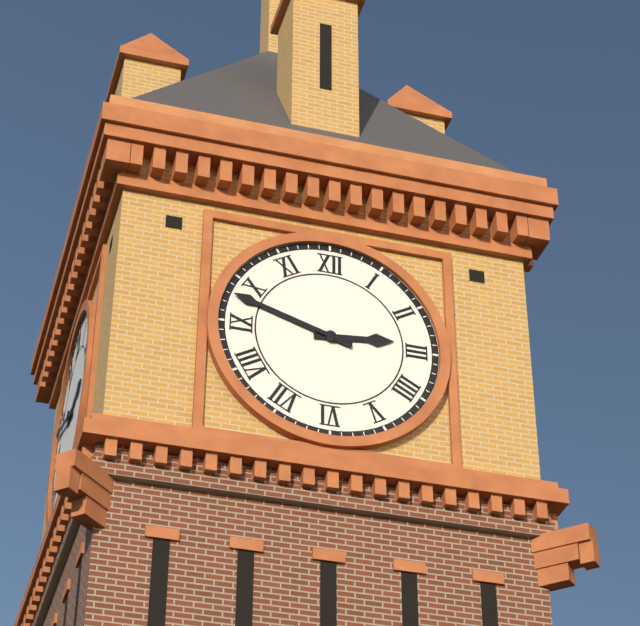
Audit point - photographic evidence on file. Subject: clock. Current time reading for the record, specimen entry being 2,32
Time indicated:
2,48
